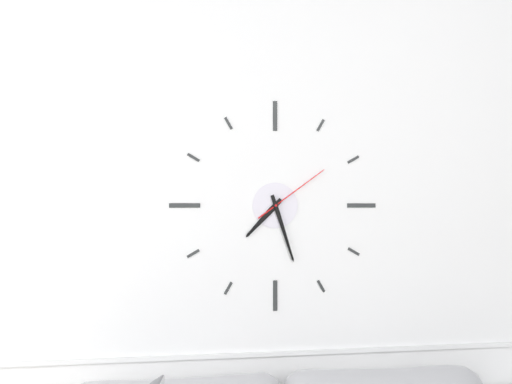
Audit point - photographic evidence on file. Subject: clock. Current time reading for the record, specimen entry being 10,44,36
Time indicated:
7,27,09
